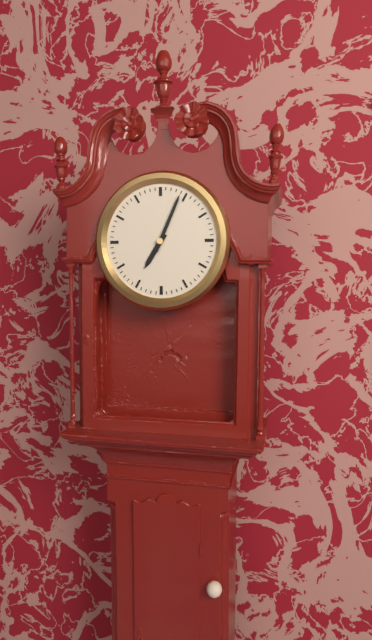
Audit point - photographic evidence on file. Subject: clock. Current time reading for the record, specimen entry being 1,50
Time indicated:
7,04
